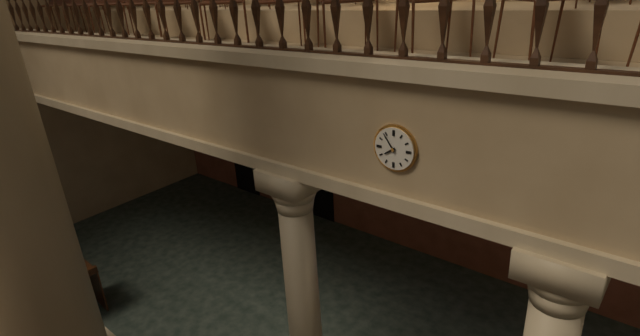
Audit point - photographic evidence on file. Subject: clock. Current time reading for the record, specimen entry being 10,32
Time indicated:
7,54
